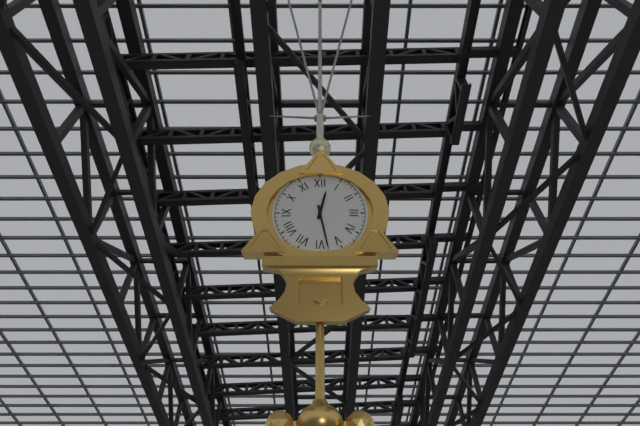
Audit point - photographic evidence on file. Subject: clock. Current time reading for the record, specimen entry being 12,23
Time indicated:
12,28
